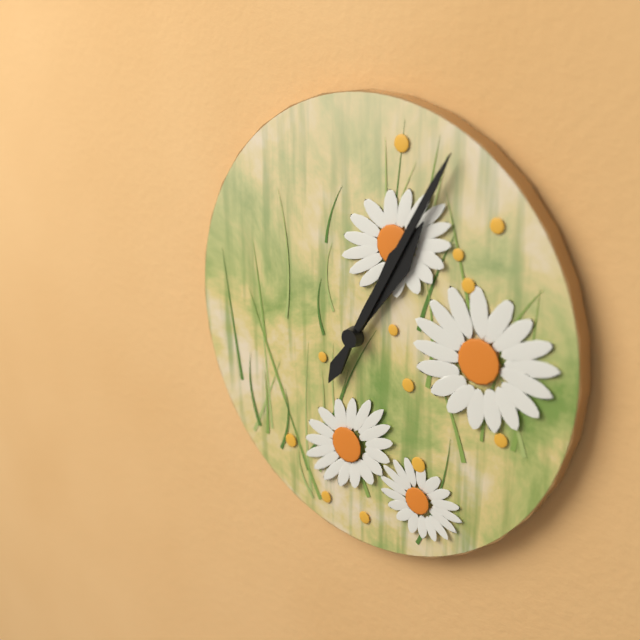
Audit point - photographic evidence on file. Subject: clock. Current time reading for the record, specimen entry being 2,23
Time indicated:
1,05
